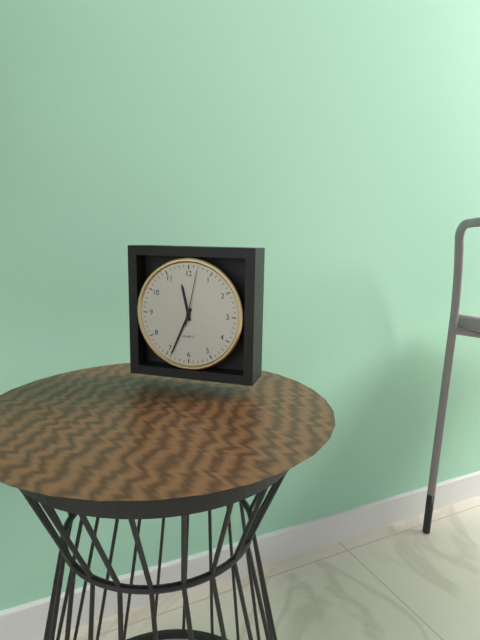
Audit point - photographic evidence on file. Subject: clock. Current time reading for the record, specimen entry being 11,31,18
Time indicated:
11,34,02
